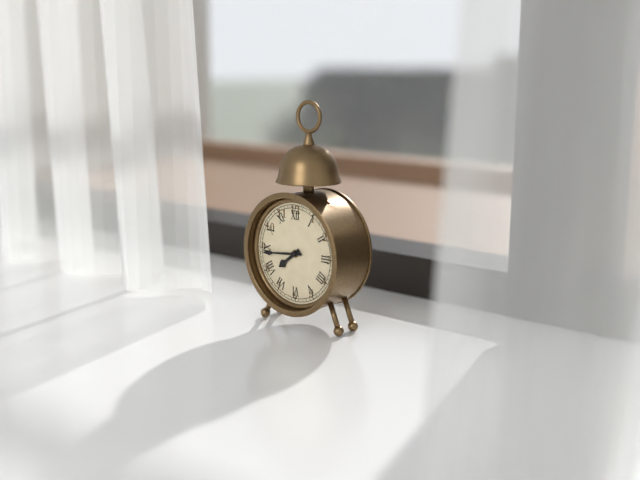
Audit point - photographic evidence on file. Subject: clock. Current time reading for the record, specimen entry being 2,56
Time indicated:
7,44
